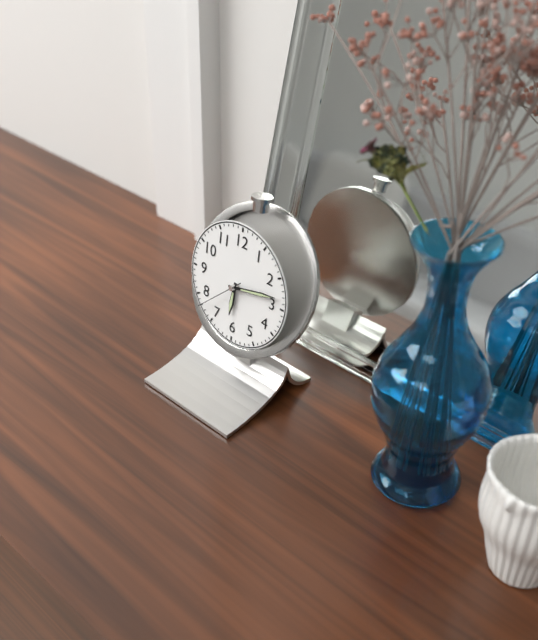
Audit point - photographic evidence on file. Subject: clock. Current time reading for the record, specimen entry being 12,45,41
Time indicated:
6,13,38
